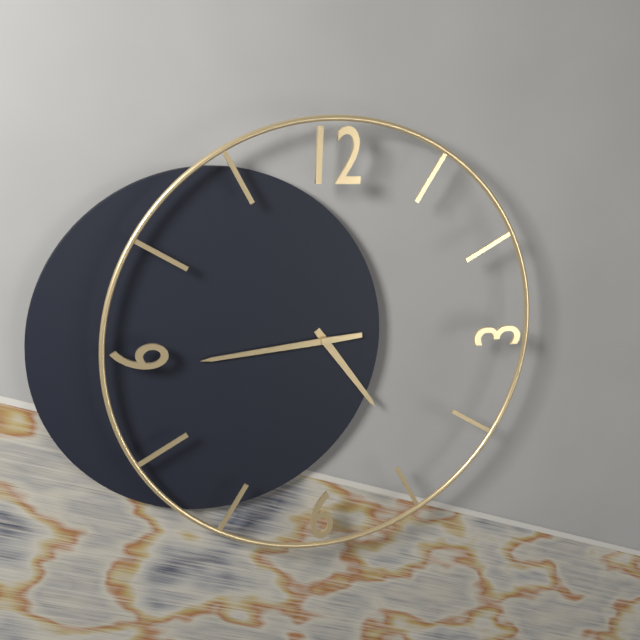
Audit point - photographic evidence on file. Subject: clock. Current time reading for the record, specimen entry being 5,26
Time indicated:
4,44
